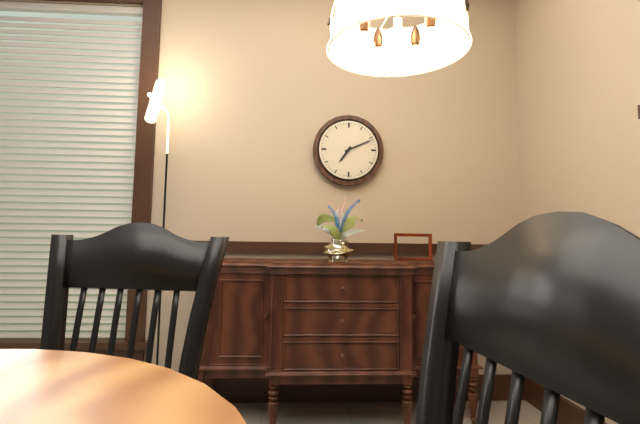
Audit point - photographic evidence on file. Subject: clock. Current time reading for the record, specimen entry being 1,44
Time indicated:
7,11
